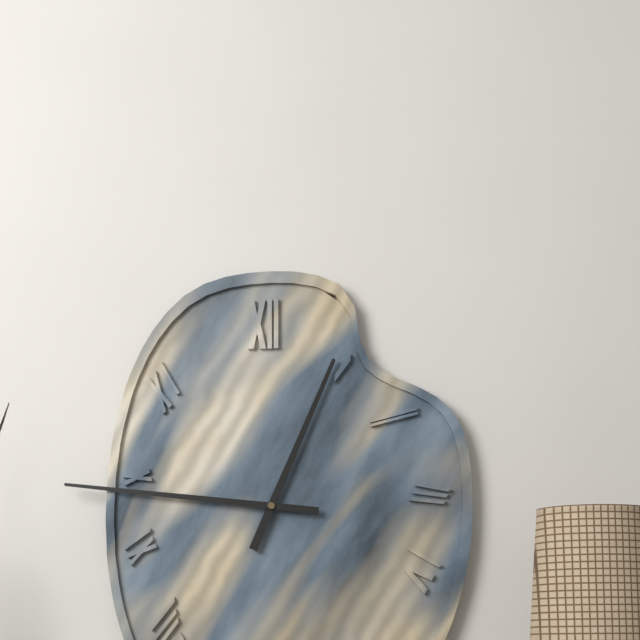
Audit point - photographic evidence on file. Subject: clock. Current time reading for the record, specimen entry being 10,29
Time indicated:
12,46
